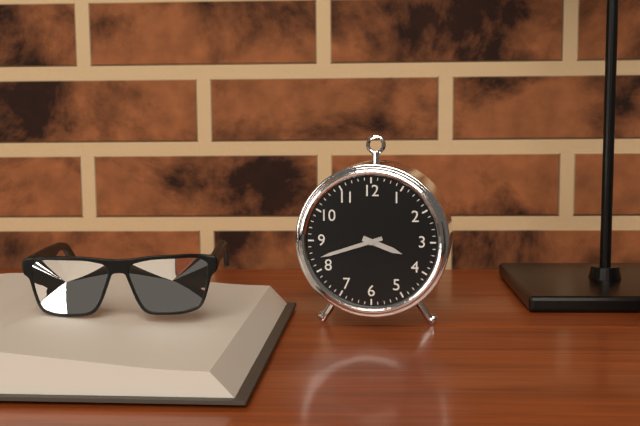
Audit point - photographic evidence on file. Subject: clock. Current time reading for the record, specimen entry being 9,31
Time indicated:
3,42
